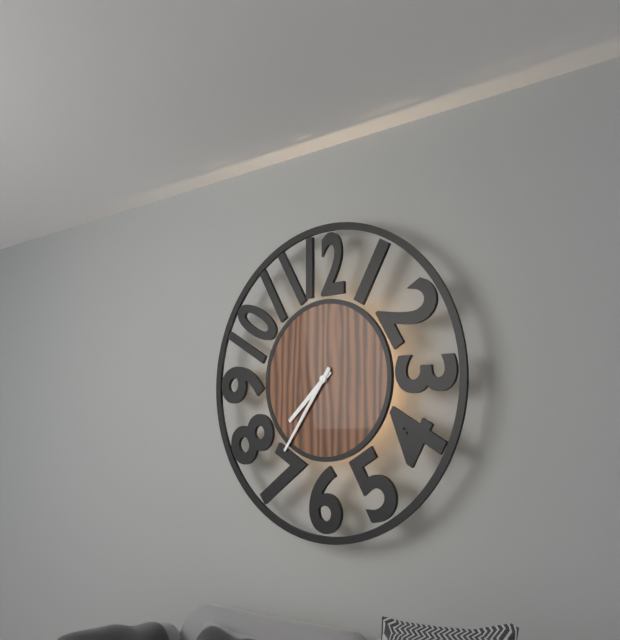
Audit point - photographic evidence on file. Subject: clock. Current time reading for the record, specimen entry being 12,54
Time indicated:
7,36
